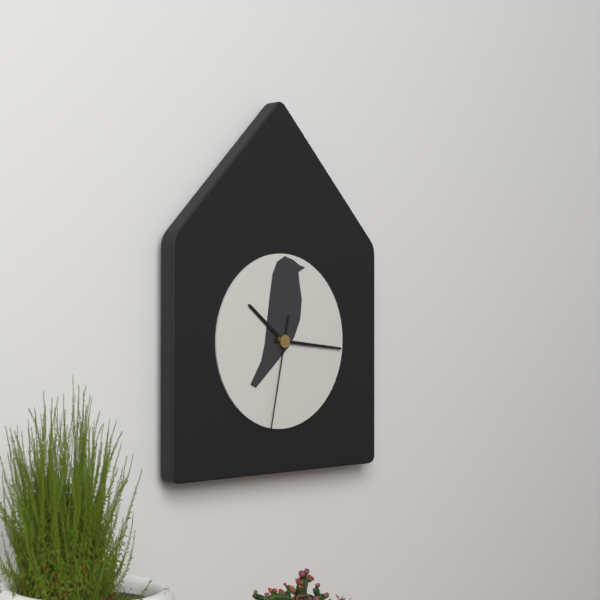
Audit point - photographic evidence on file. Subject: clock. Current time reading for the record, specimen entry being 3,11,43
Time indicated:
10,16,32
